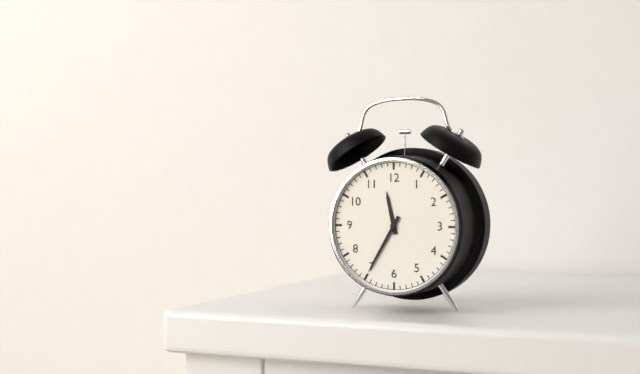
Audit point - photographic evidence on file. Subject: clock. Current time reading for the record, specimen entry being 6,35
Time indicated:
11,35
